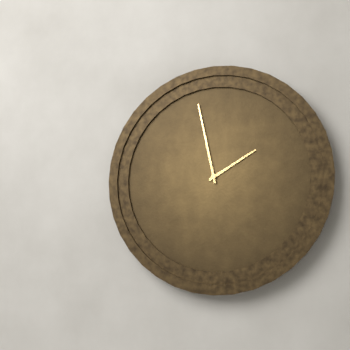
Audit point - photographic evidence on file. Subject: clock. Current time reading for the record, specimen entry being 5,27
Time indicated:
1,58
